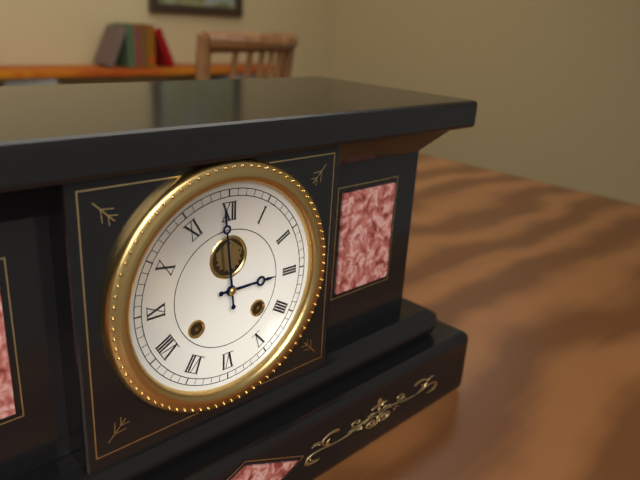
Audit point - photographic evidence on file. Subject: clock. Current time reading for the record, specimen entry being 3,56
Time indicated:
2,59
